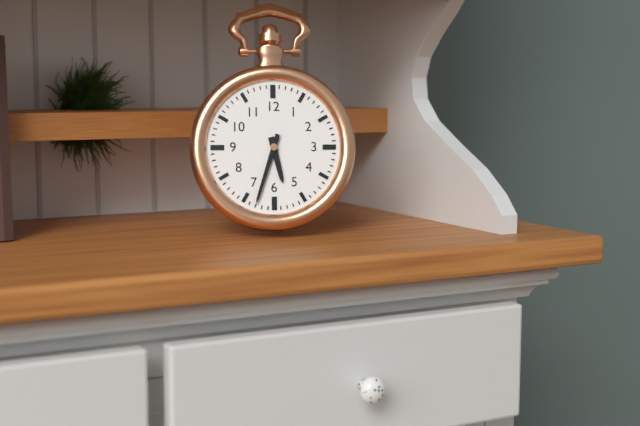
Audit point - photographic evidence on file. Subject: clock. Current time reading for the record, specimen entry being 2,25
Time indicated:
5,33
